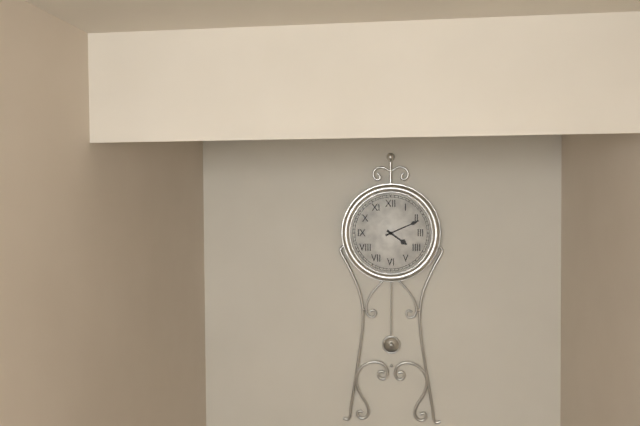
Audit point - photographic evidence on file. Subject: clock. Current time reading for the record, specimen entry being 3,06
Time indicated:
4,11
